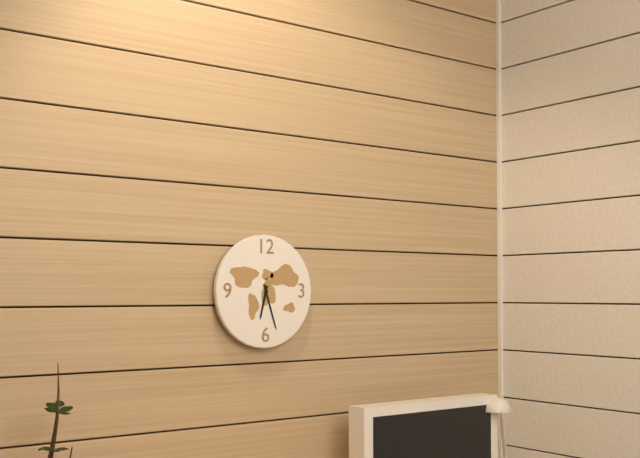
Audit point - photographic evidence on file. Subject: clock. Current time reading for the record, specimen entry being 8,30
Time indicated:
6,27
